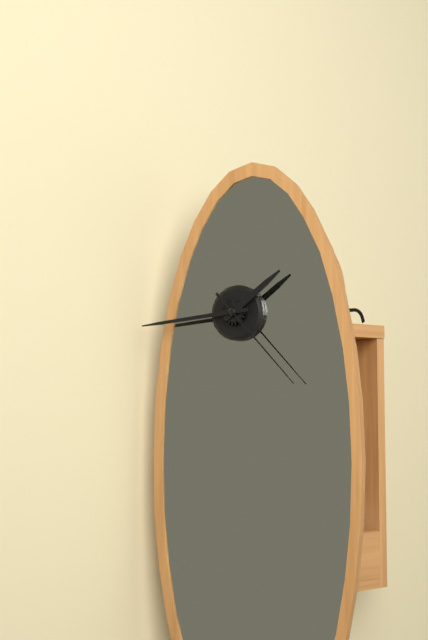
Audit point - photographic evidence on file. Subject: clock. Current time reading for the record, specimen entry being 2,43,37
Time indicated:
1,44,23
